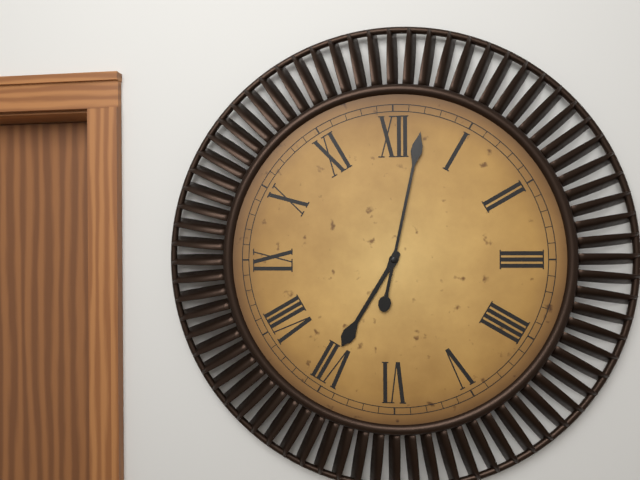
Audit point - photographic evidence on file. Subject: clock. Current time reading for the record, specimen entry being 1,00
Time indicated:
7,02
